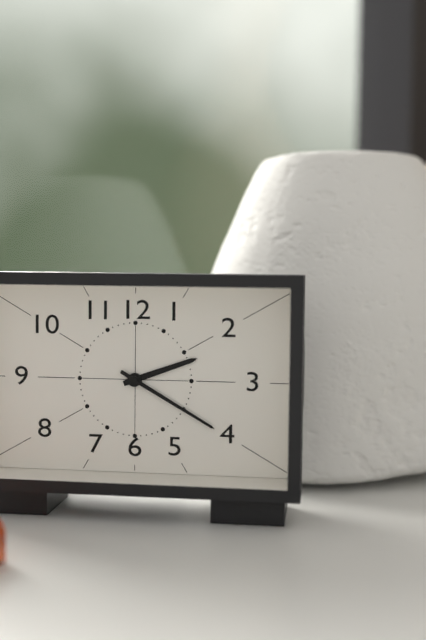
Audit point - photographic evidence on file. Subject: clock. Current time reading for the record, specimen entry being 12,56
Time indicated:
2,20
